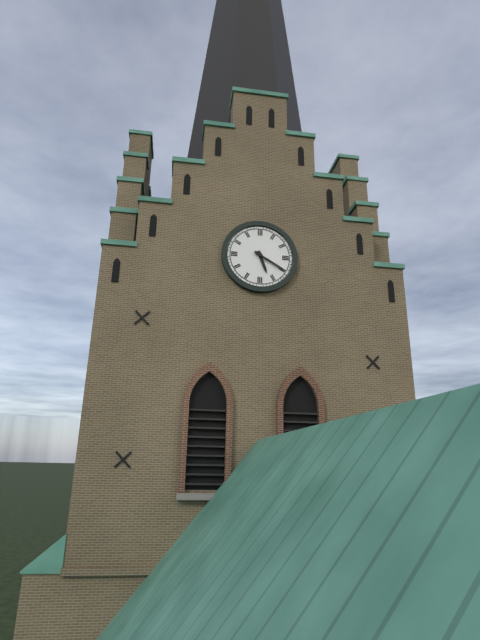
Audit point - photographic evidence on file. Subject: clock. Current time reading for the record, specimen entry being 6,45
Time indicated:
5,20
